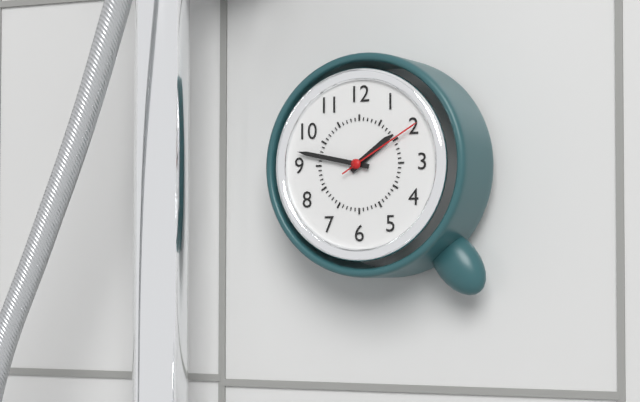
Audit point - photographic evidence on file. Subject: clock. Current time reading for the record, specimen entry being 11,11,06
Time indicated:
1,47,10
